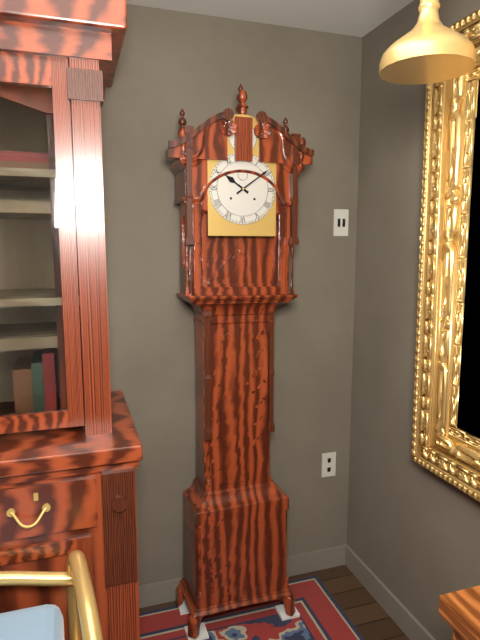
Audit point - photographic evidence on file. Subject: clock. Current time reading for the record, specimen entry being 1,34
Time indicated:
10,09
